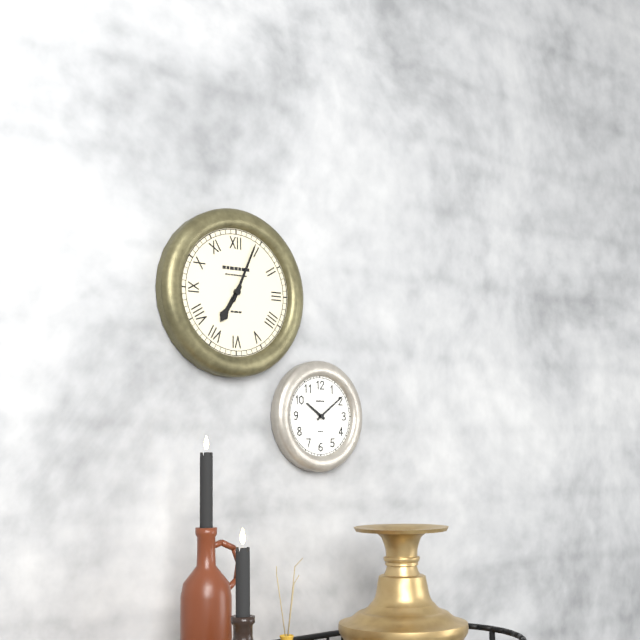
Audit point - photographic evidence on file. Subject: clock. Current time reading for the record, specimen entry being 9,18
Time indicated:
7,04
